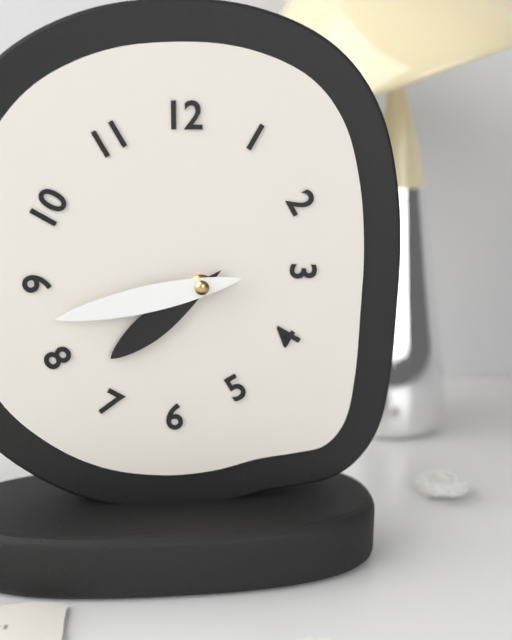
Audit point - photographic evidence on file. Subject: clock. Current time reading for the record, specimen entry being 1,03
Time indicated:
7,43
